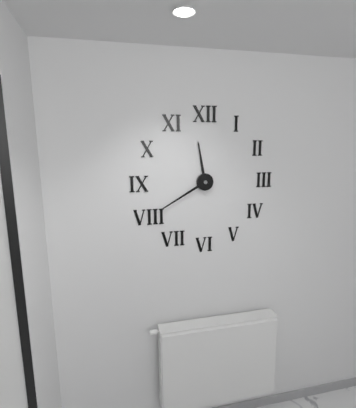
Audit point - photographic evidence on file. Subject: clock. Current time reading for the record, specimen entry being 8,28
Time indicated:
11,40
